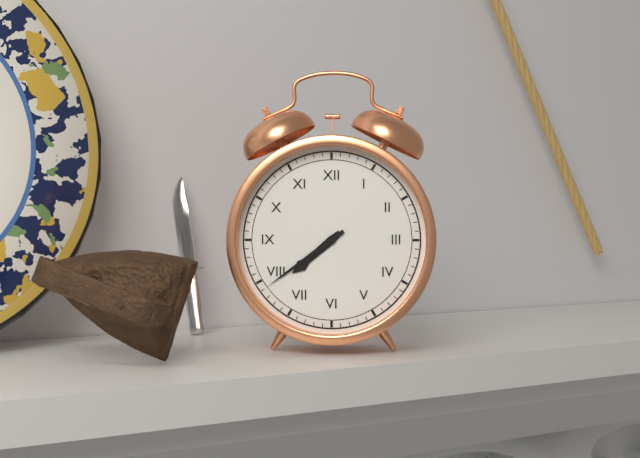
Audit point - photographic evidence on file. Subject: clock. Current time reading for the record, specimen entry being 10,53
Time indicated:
7,39
